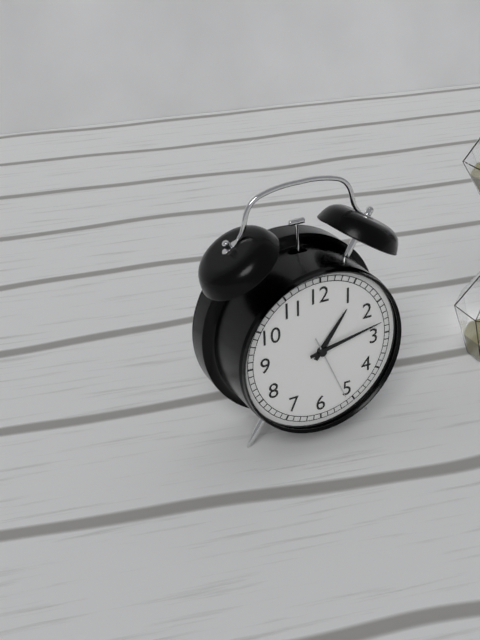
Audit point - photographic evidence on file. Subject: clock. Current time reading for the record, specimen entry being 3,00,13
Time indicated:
1,13,26
